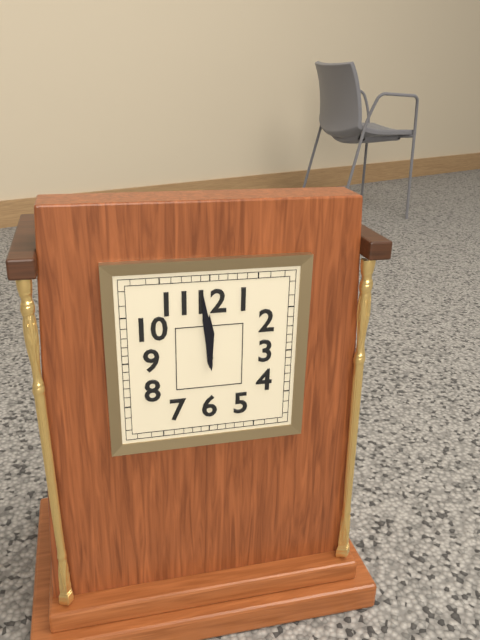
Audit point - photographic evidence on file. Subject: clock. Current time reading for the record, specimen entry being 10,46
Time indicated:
11,59
